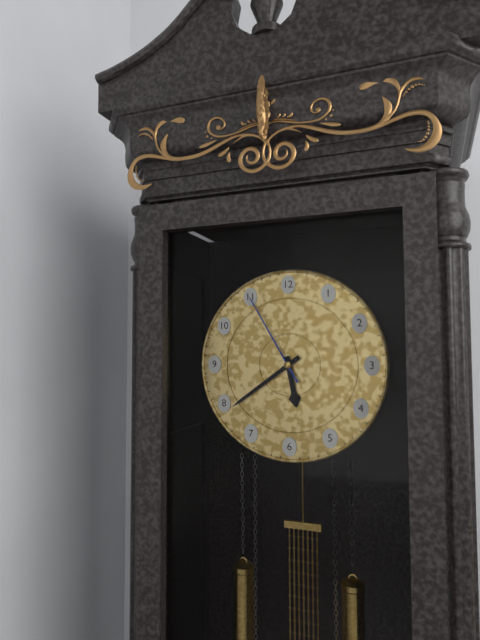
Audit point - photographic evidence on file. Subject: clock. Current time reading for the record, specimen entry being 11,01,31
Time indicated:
5,39,55
